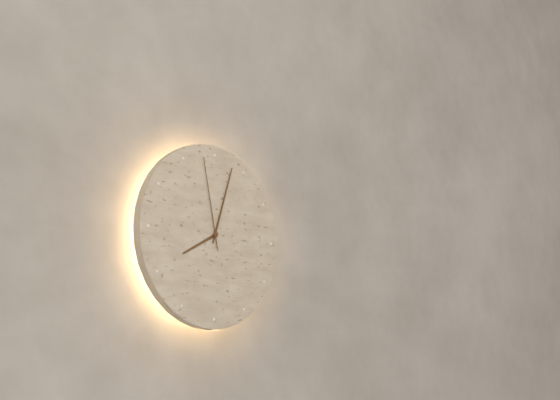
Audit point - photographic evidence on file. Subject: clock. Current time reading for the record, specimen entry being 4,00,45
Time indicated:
8,03,58
